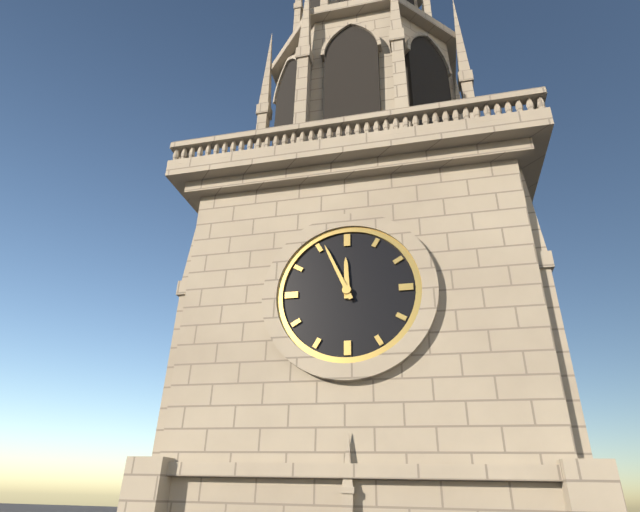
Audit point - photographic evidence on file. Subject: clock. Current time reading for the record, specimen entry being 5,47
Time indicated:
11,56
